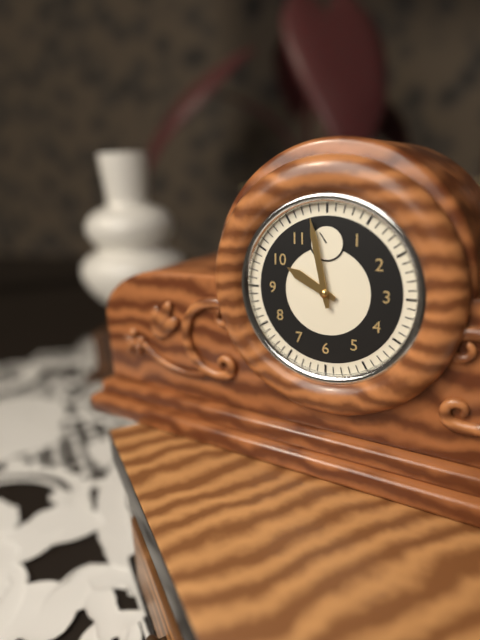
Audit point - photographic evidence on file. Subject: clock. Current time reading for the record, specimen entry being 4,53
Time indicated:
9,58
